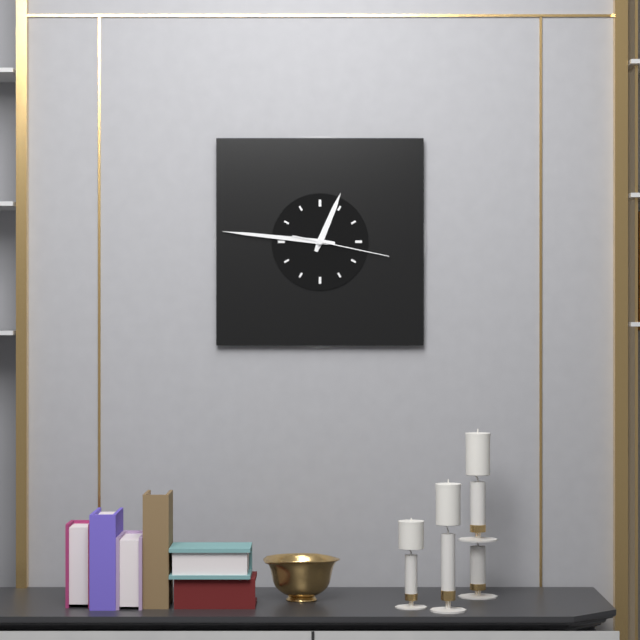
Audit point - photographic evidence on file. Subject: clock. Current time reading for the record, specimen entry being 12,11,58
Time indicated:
12,46,17
